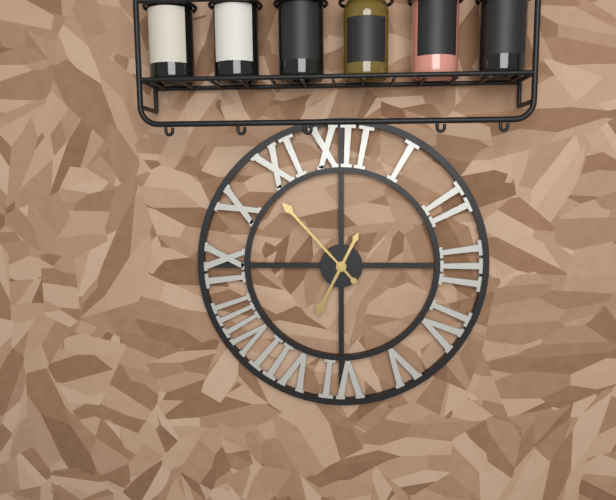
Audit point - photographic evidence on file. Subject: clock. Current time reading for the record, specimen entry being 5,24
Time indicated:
6,53
